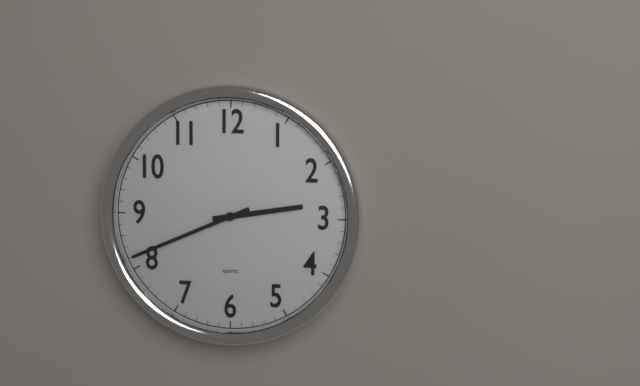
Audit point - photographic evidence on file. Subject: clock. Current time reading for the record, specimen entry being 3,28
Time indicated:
2,41
